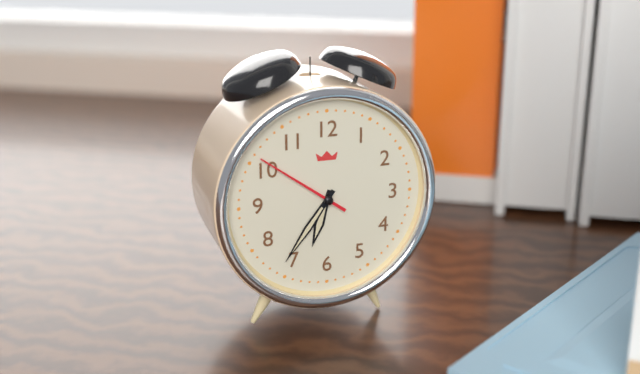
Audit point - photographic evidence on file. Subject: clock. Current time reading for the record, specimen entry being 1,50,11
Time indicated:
6,36,51
